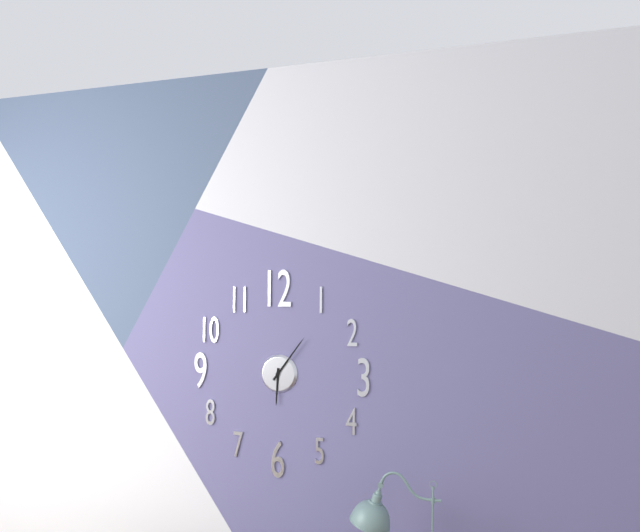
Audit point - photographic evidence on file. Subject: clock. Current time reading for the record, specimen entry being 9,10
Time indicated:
6,06
